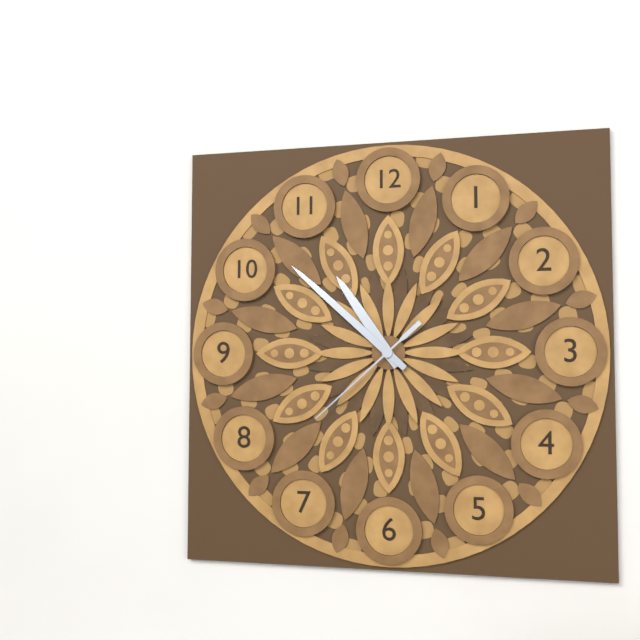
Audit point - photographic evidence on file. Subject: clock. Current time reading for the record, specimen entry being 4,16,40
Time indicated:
10,52,38
